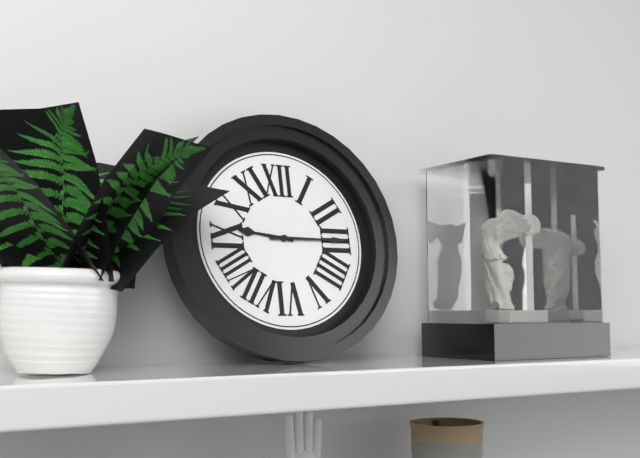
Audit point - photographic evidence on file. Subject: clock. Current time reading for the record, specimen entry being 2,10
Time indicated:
9,15
